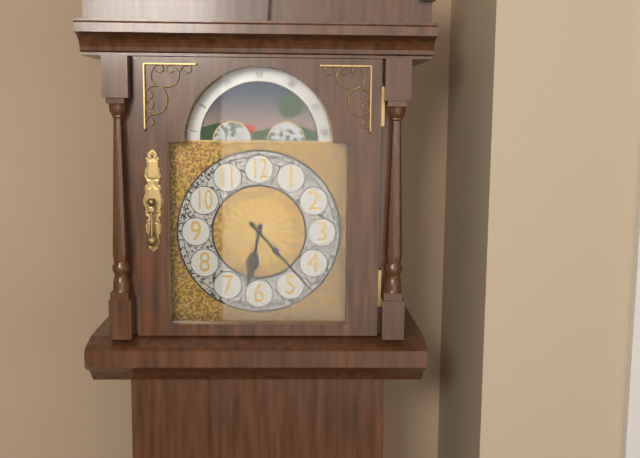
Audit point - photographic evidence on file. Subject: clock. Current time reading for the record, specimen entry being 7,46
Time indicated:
6,23
